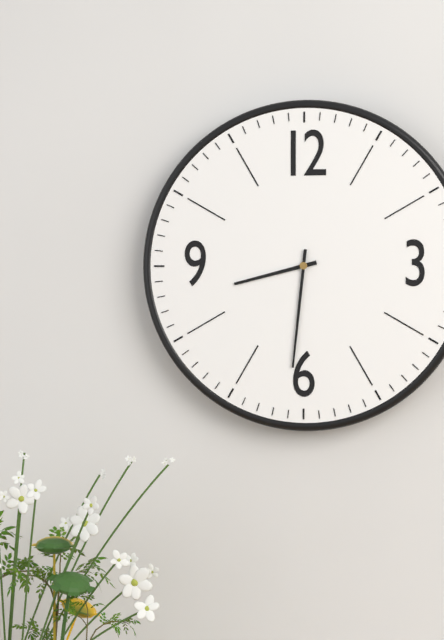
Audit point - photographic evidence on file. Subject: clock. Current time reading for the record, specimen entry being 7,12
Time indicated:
8,31
